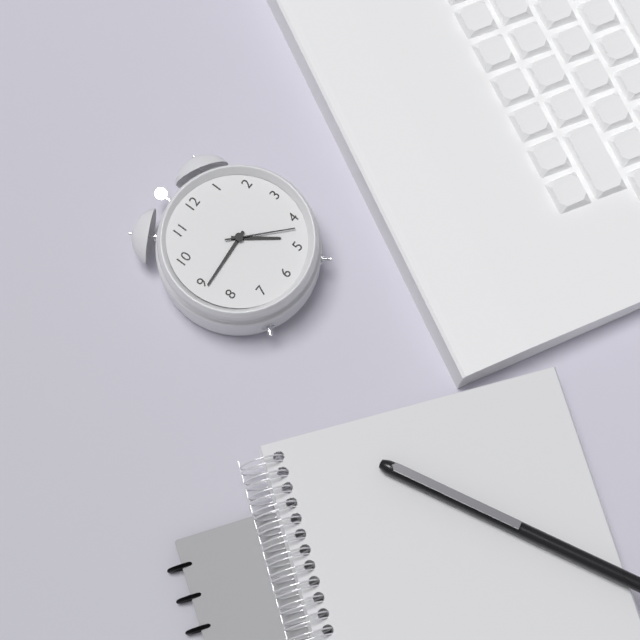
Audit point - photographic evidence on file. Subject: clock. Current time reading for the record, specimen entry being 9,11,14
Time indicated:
4,44,22
